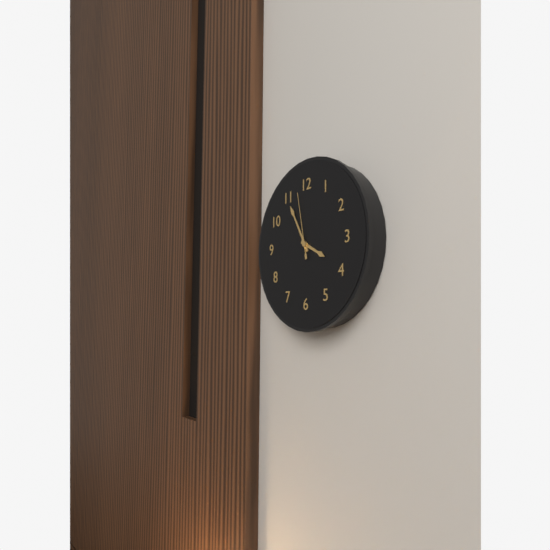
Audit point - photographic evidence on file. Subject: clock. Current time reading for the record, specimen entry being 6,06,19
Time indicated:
3,55,58
